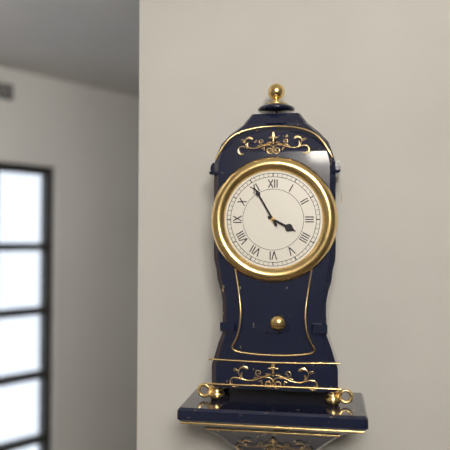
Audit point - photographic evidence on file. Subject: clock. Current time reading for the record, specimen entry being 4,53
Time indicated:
3,55
